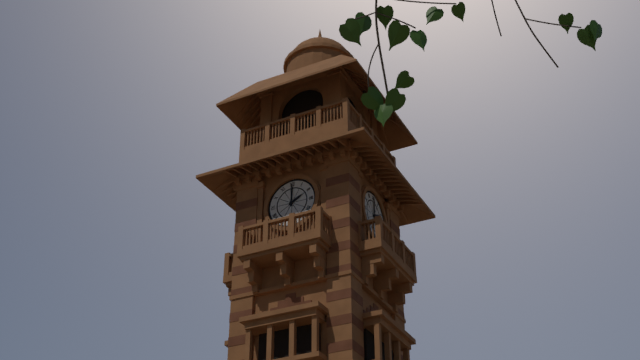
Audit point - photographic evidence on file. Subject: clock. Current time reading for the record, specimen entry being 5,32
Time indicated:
2,00
